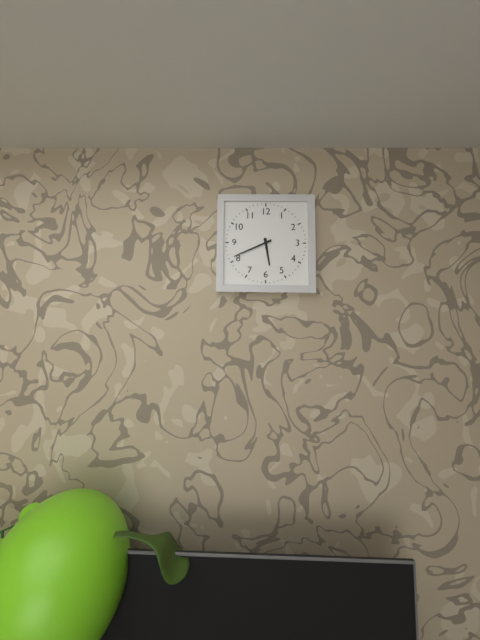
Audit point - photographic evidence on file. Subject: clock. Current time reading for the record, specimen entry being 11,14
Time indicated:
5,41
